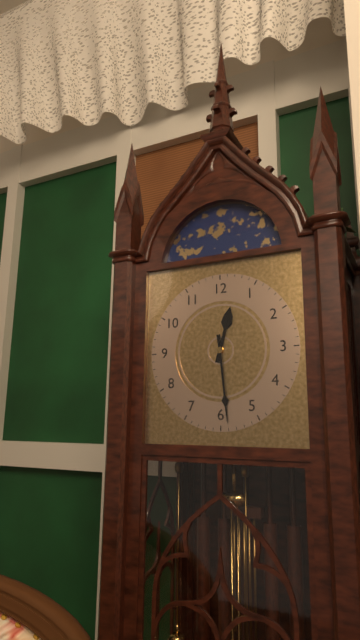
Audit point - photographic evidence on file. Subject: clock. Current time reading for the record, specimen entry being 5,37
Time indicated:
12,29
